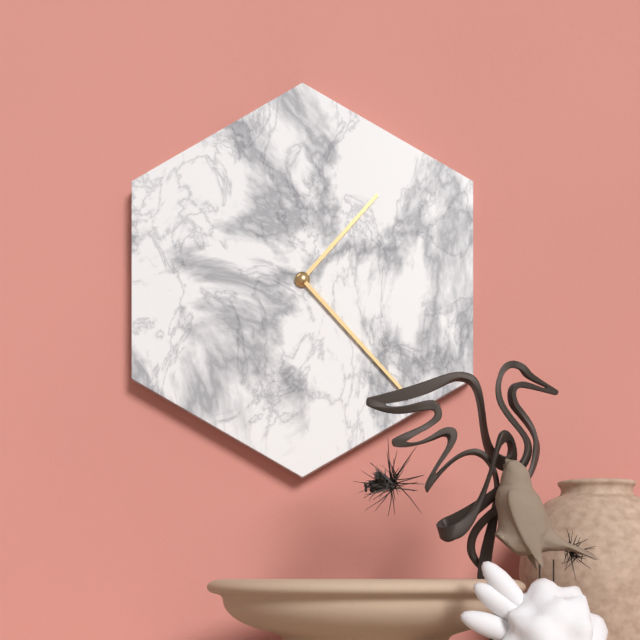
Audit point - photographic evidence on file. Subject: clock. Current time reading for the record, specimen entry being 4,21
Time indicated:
1,23
